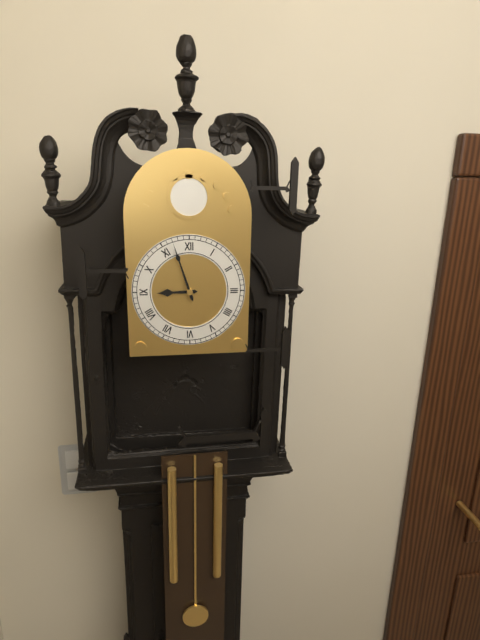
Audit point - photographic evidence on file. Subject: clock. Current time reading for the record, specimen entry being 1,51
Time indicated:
8,57
